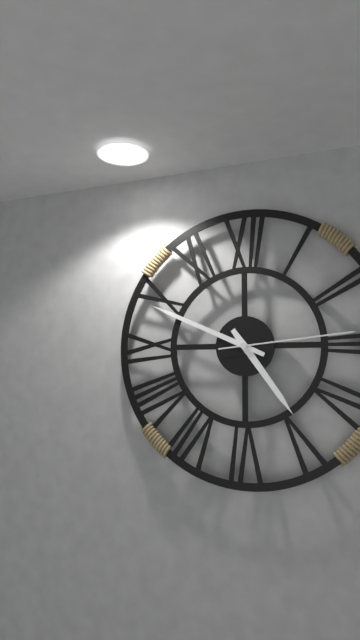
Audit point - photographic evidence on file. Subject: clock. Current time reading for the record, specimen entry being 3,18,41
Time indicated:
4,49,14
